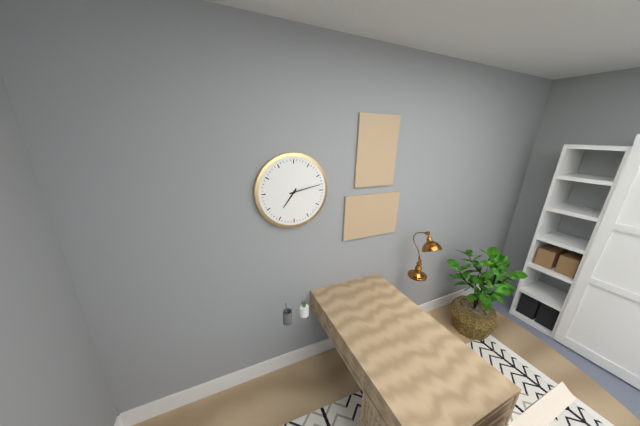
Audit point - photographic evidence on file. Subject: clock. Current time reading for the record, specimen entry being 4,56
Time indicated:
7,13
